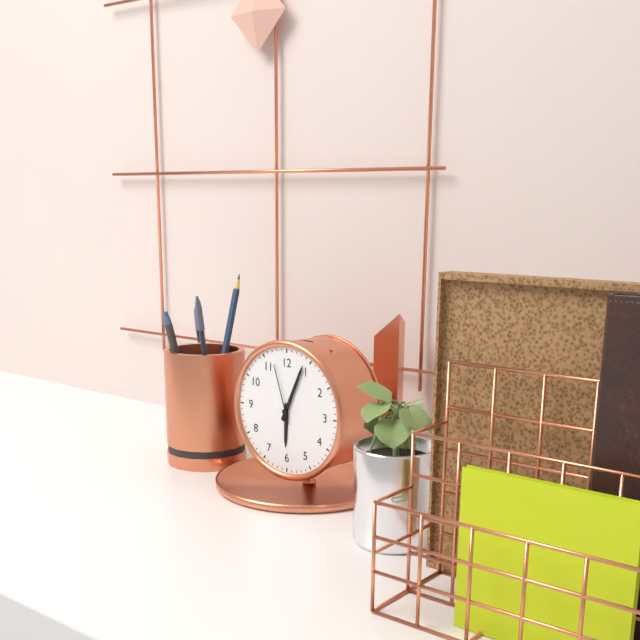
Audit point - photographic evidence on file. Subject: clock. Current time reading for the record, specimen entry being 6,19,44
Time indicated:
6,04,57
